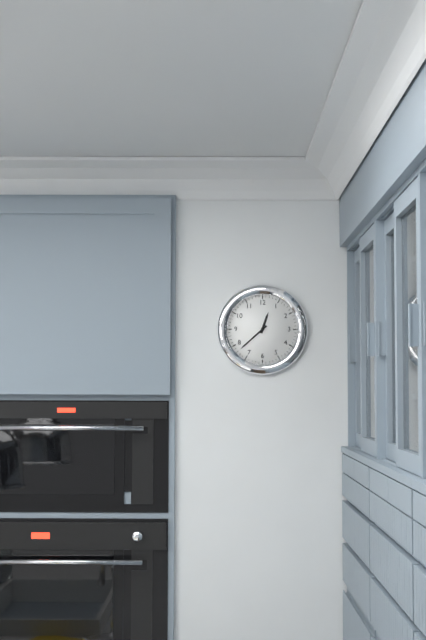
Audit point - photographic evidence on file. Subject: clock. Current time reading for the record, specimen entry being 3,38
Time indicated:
12,38
